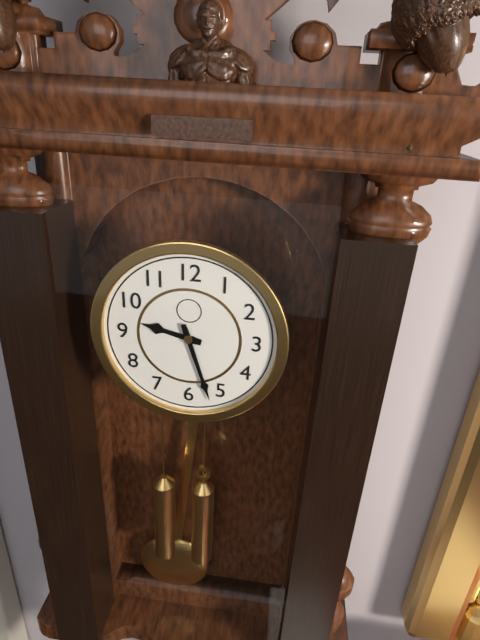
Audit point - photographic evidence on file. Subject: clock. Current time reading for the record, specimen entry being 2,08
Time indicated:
9,27
